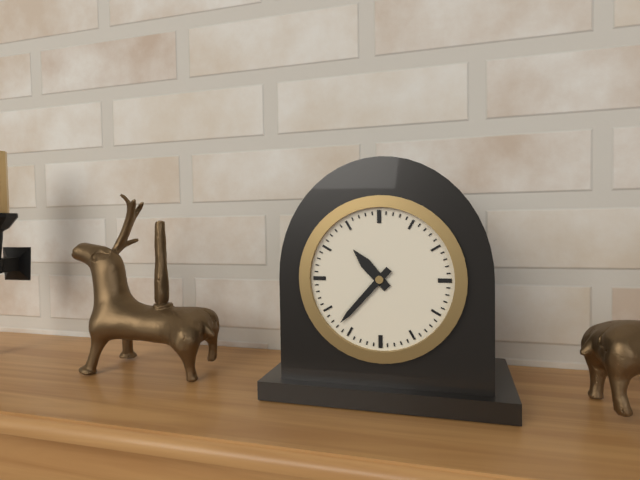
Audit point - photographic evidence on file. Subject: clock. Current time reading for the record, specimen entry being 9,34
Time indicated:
10,37
